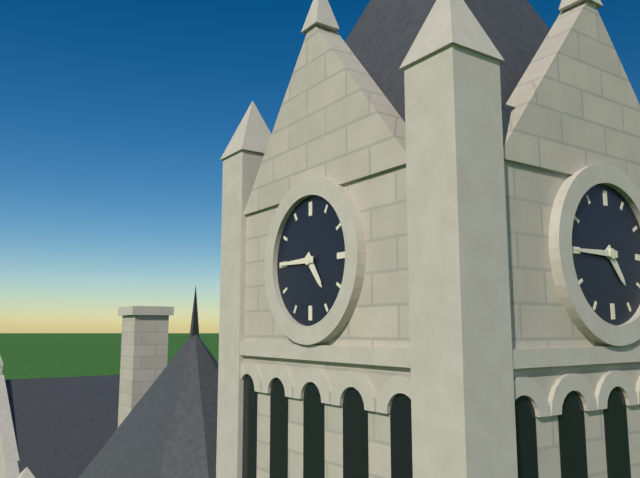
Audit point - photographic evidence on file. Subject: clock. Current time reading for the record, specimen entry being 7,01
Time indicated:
4,45
